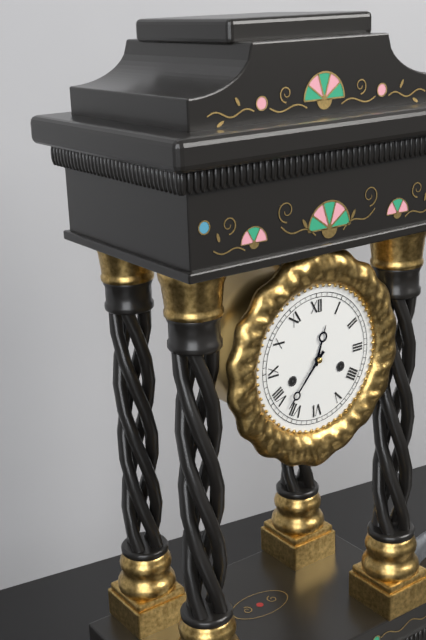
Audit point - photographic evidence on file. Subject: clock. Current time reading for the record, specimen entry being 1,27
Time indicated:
12,37
